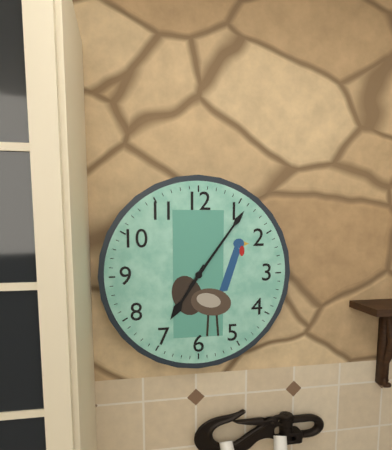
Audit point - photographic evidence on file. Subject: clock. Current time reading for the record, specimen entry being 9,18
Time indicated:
7,06
